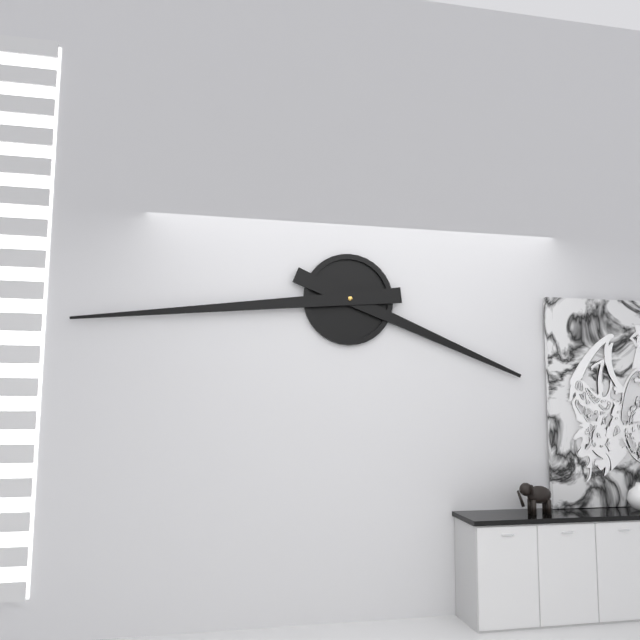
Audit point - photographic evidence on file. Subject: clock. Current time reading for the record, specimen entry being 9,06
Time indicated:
3,44
